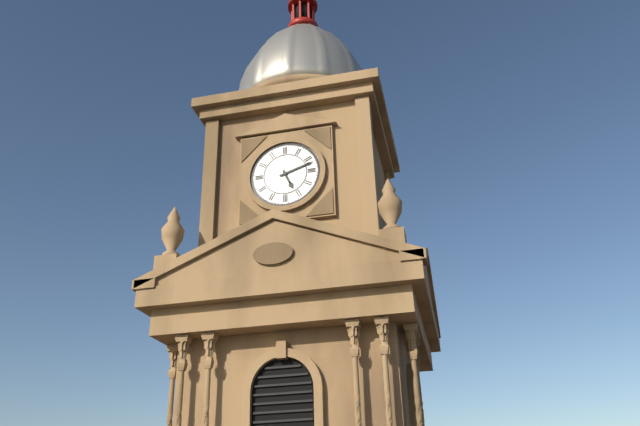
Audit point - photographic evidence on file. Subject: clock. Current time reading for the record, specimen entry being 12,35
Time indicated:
5,12
